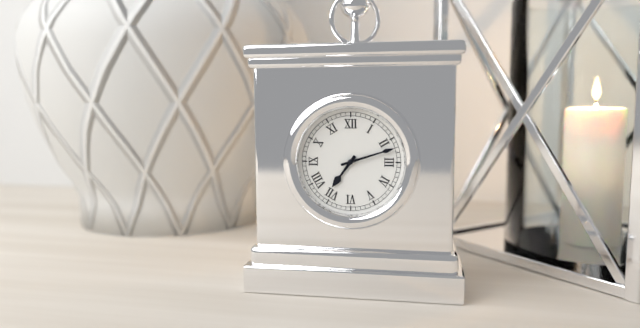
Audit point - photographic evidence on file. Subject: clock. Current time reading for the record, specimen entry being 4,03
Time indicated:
7,12
